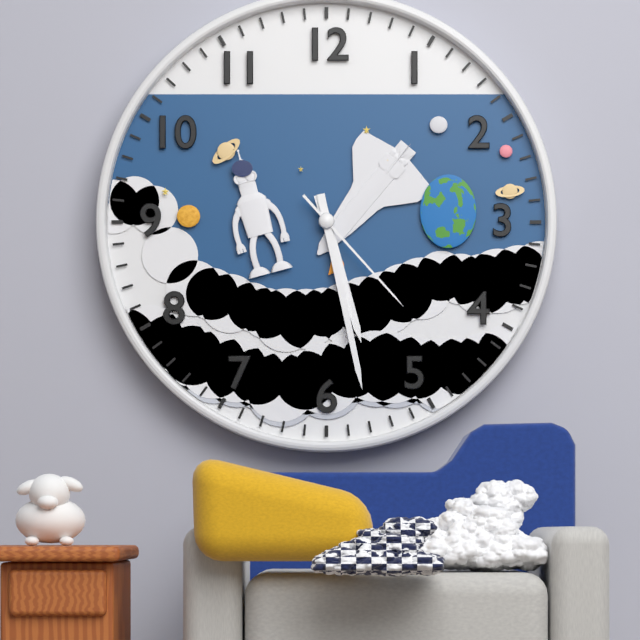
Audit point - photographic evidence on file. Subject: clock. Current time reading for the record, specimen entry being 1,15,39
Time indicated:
5,28,23
